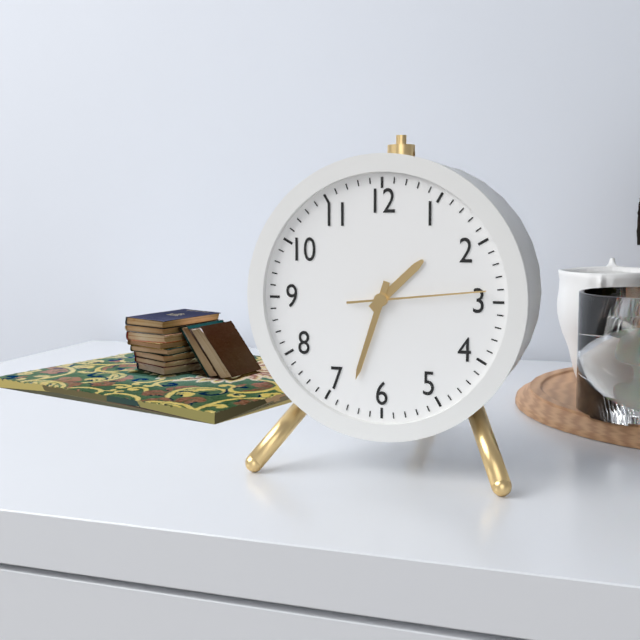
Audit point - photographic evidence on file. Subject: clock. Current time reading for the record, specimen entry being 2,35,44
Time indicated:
1,33,14
